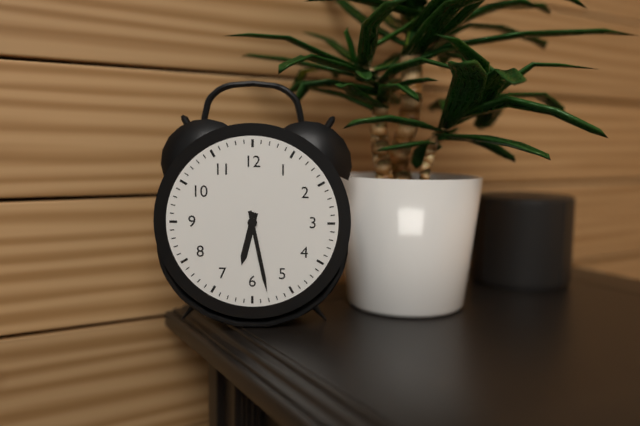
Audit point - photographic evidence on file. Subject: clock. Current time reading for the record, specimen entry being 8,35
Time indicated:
6,28
